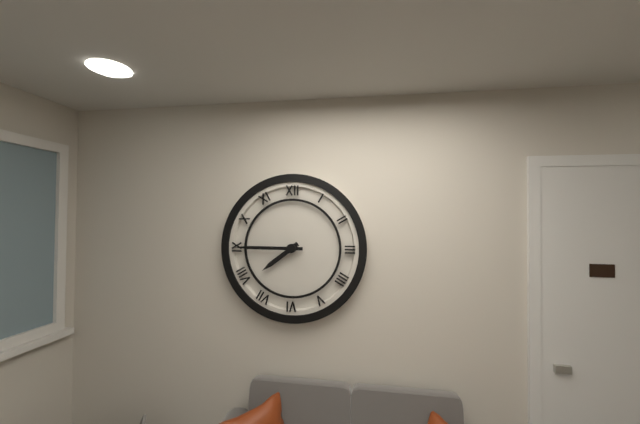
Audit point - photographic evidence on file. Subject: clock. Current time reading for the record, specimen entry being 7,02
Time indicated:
7,45
